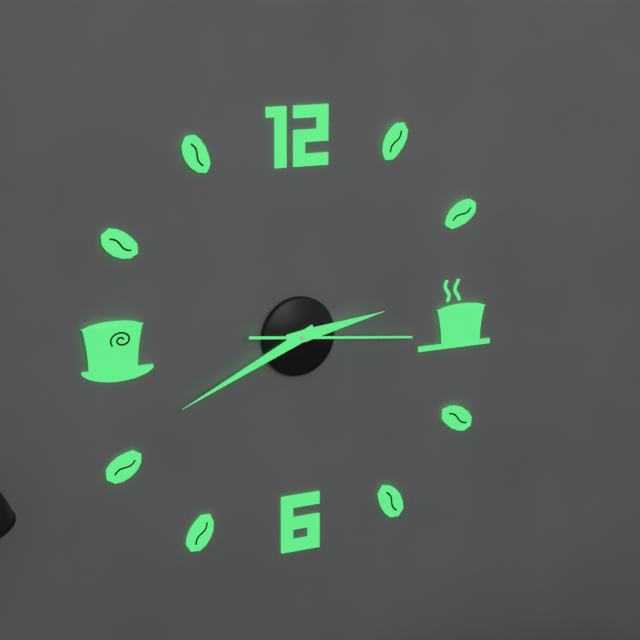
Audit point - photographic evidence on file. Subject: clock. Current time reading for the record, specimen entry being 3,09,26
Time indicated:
2,41,16
